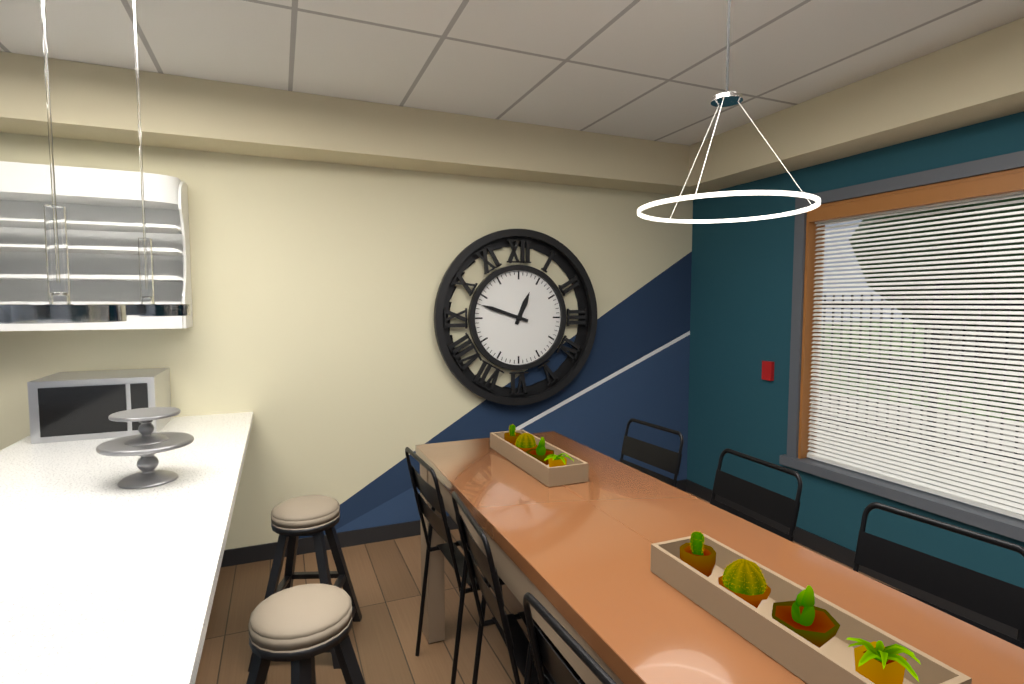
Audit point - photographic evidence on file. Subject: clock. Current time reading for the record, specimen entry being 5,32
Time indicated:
12,48
